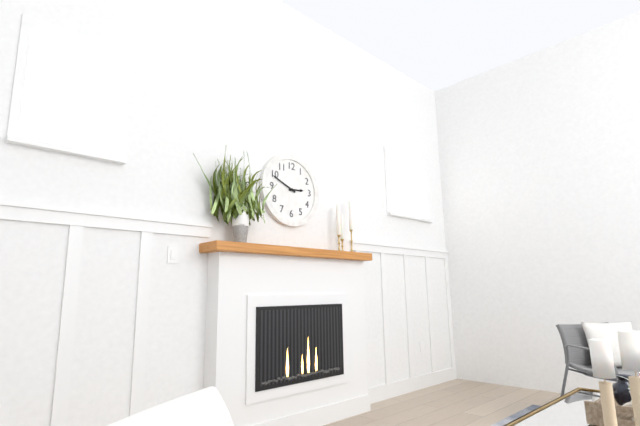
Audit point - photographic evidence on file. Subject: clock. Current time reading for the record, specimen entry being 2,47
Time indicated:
2,49
